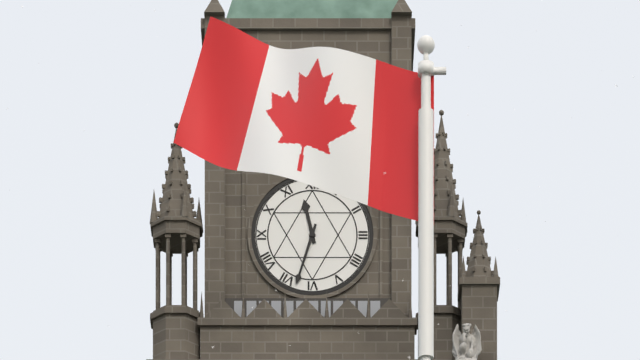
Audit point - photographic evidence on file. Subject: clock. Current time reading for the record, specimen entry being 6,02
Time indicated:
11,33
